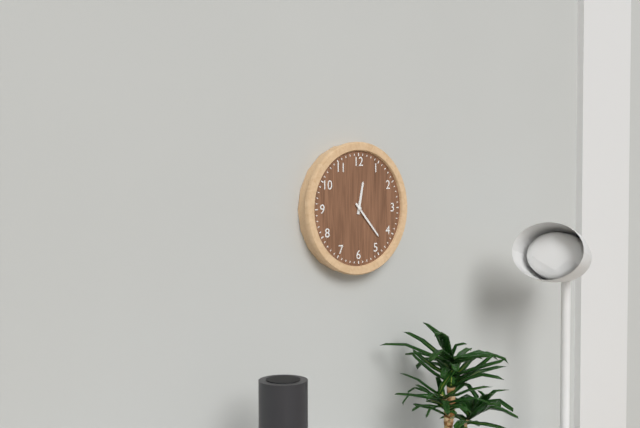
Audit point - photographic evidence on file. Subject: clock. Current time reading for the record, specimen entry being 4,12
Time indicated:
12,23
